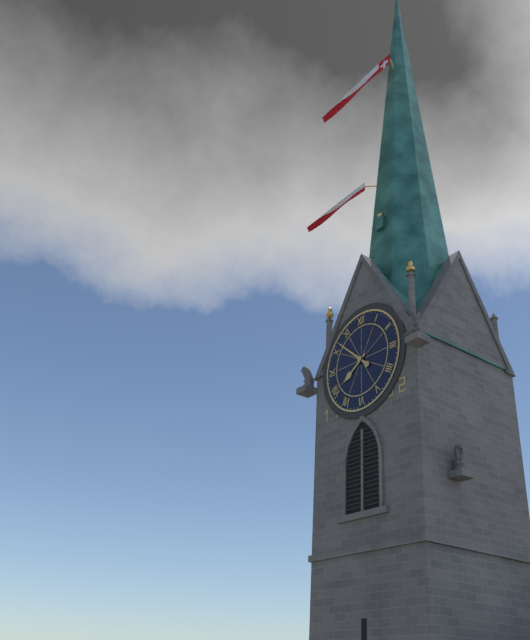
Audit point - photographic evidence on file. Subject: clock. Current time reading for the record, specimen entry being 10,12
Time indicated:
7,52
